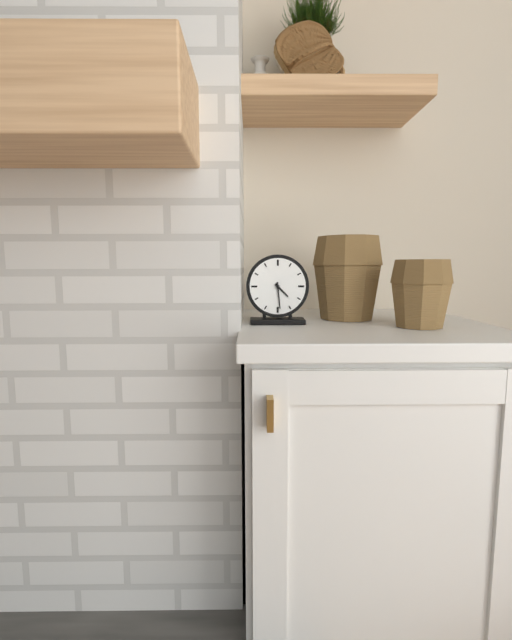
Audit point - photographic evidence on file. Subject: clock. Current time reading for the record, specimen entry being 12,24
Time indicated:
4,29
